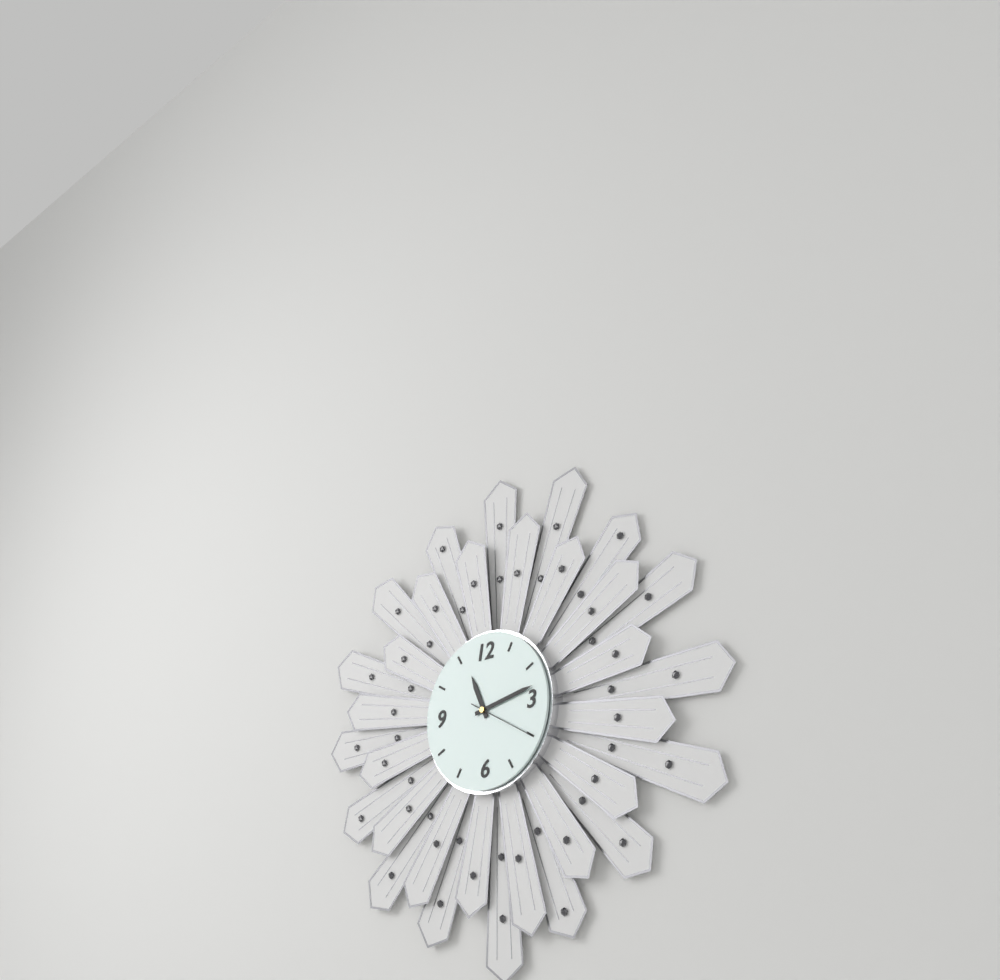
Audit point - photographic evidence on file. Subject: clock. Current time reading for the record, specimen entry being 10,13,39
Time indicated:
11,13,20
